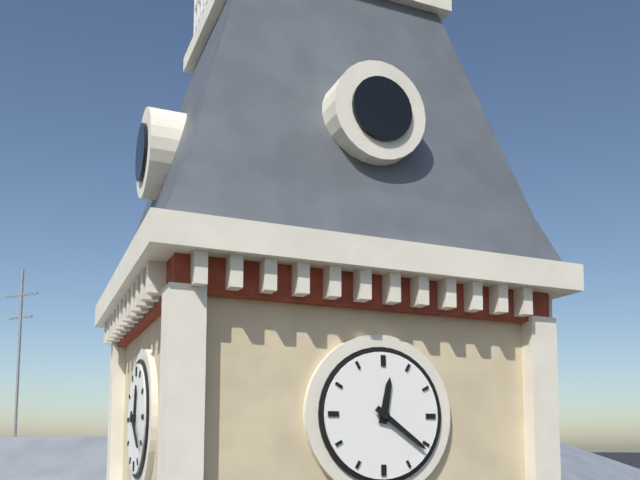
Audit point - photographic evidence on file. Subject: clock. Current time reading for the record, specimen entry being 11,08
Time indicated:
12,21
